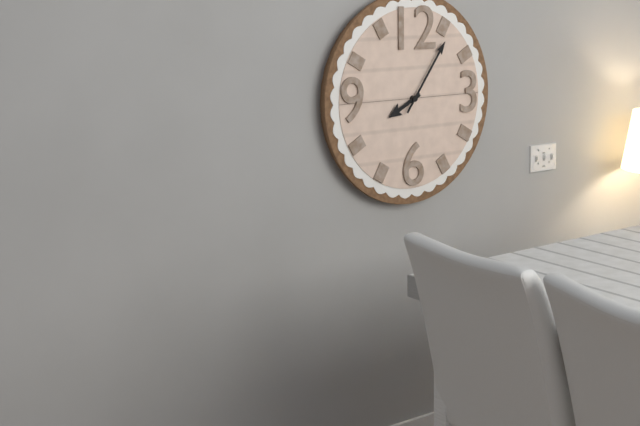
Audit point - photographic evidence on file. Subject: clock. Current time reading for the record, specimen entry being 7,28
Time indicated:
8,06
